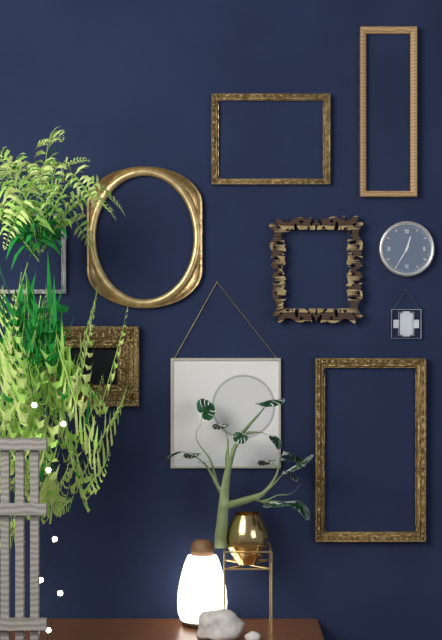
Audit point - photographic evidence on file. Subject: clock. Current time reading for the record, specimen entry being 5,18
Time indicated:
12,35
